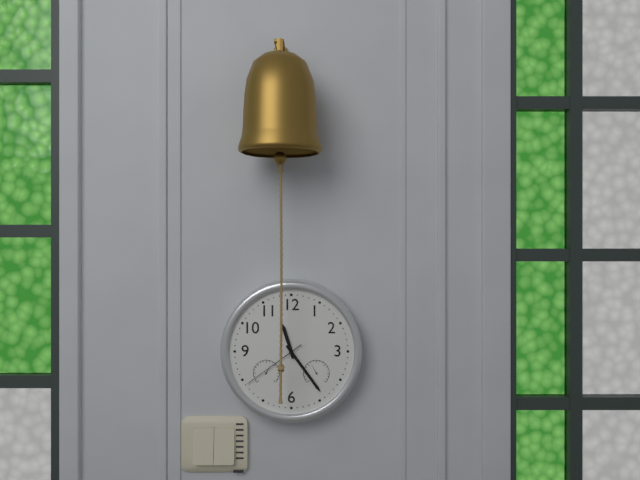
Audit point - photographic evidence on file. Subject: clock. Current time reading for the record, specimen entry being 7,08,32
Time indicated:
11,24,39
